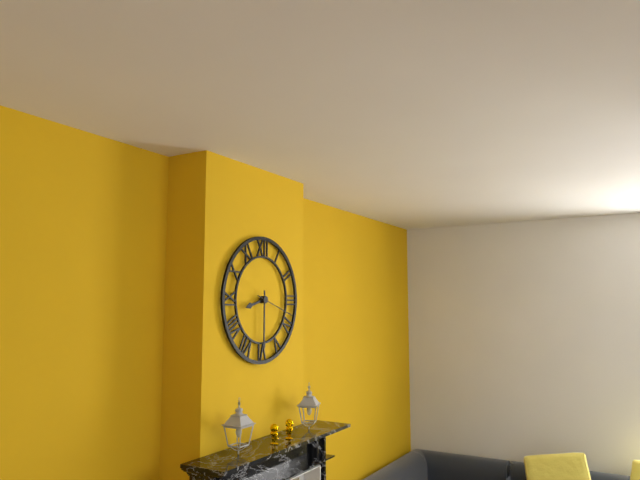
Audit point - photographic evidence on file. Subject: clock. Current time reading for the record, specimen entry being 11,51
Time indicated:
8,30
